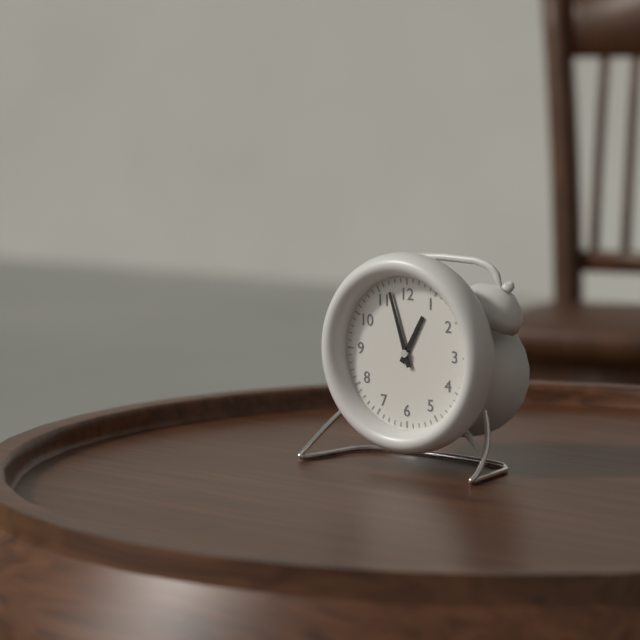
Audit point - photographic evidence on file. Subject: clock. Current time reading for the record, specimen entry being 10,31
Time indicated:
12,57
